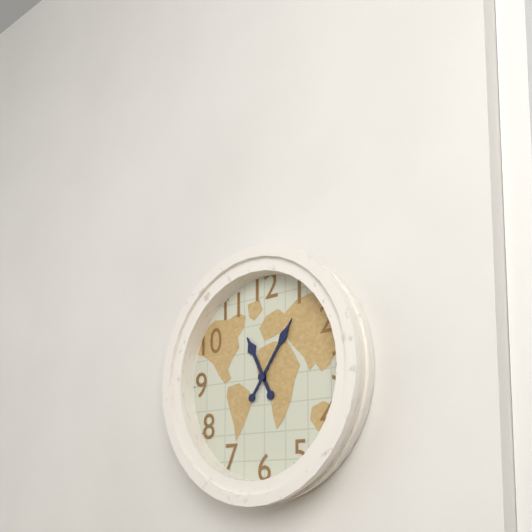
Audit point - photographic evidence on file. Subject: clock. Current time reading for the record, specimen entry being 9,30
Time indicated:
11,06
